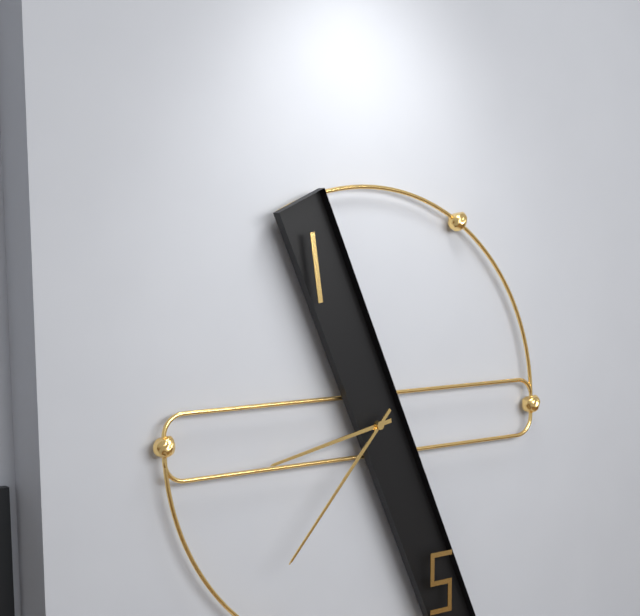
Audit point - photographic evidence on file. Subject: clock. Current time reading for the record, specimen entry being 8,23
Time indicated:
8,37
